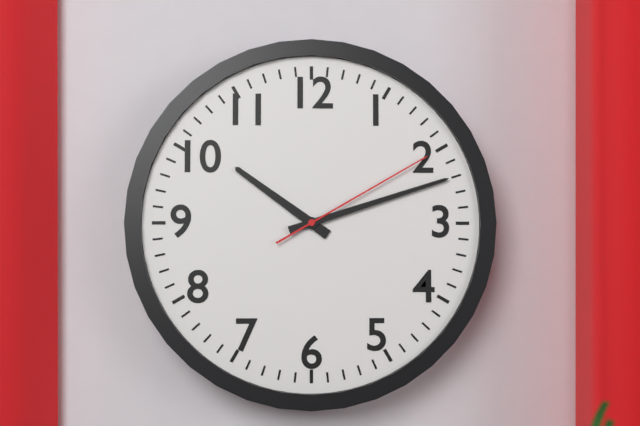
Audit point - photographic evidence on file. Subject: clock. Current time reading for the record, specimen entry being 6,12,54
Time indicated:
10,12,10
